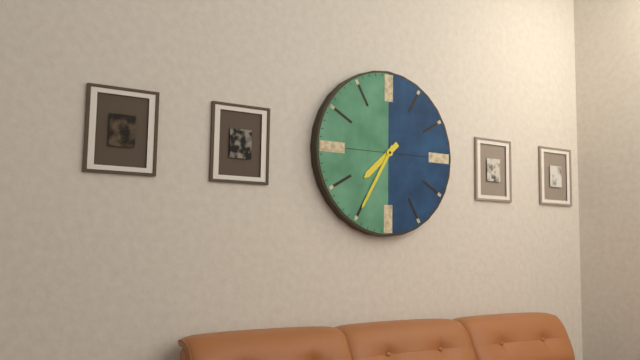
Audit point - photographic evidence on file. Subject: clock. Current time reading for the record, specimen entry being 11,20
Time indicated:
7,35
